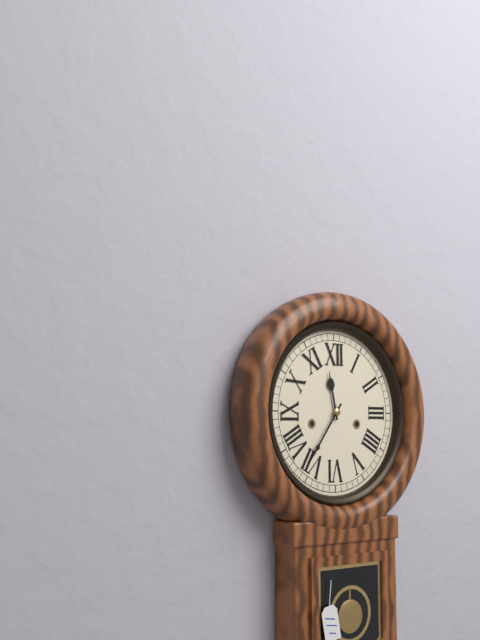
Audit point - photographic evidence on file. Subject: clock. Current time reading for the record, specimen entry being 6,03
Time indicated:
11,36
